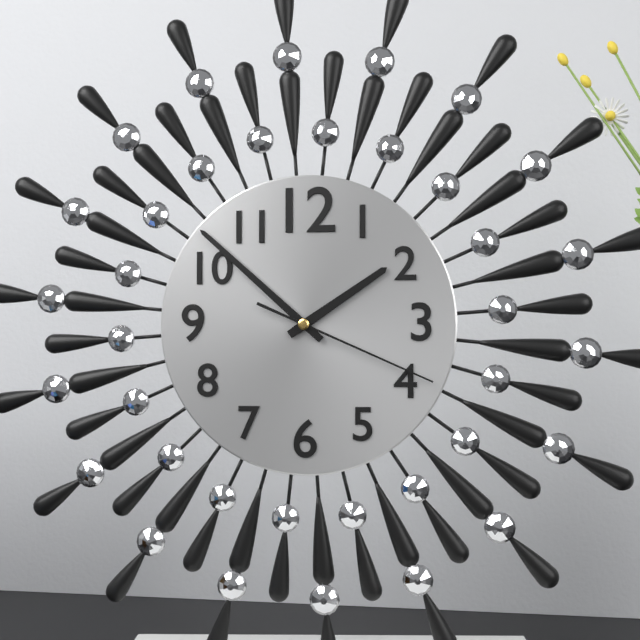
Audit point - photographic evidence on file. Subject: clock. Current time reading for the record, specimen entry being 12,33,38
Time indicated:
1,52,19
